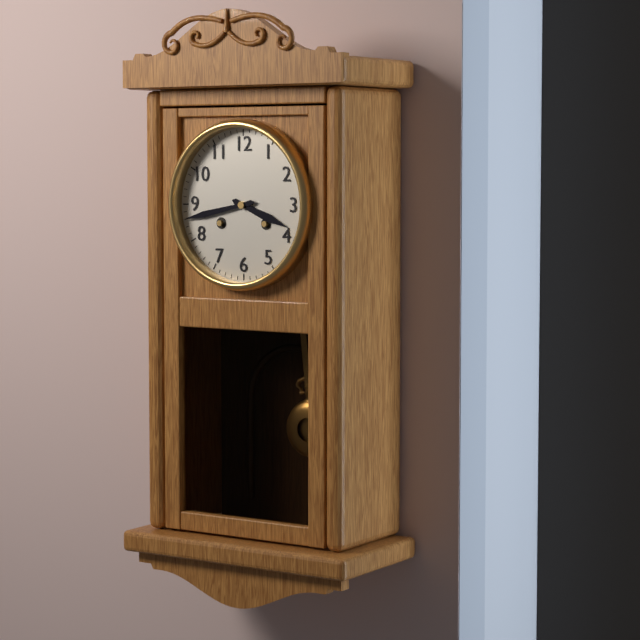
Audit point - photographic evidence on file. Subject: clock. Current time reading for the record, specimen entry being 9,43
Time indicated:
3,43
